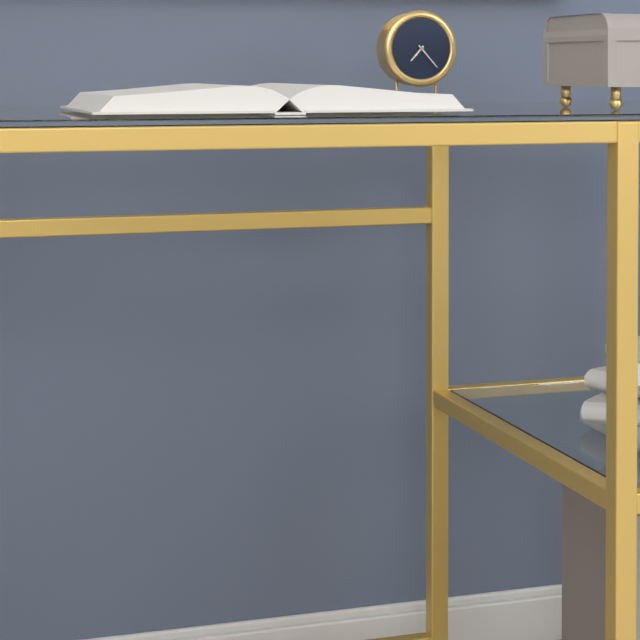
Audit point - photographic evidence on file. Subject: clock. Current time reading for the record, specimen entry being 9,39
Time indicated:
7,23
